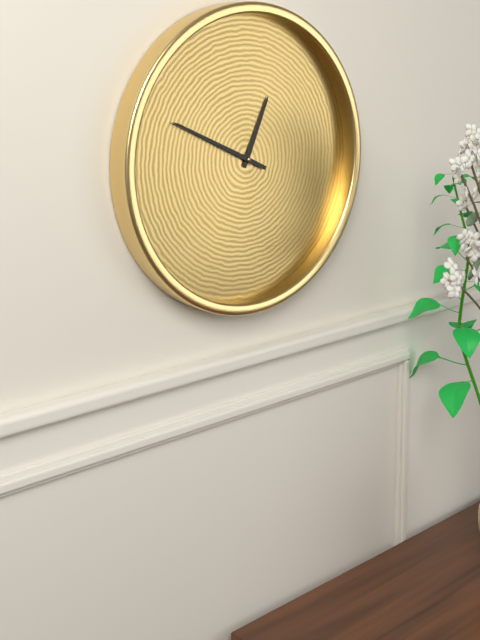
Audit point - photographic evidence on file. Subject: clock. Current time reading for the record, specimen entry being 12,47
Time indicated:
12,49
